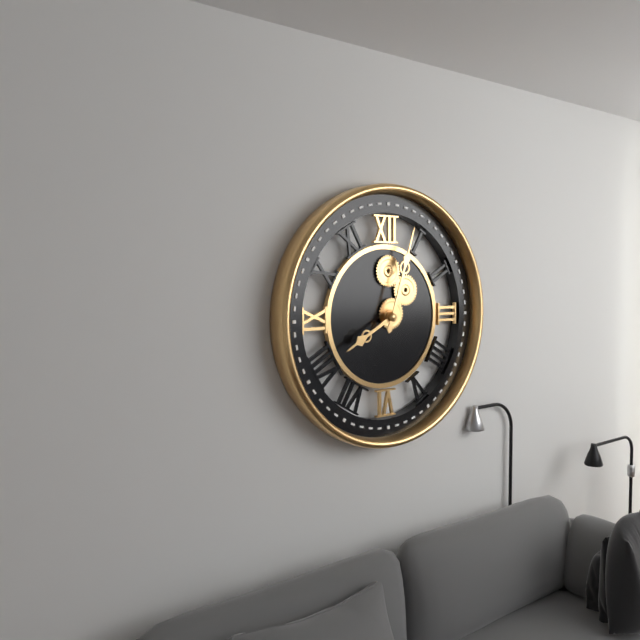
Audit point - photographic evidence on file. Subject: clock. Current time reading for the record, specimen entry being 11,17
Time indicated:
8,03
